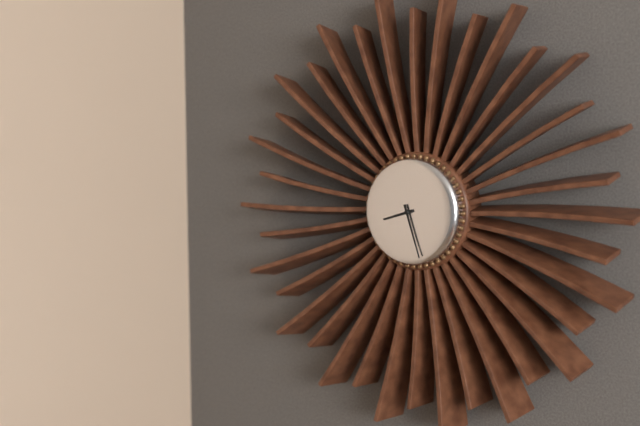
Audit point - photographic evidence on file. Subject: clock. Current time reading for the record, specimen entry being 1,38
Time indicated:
8,27
